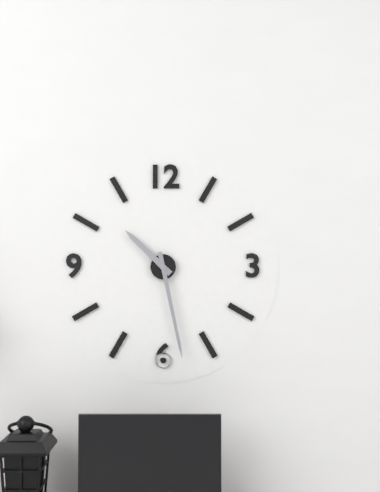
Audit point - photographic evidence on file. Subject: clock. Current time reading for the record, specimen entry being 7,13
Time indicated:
10,28
